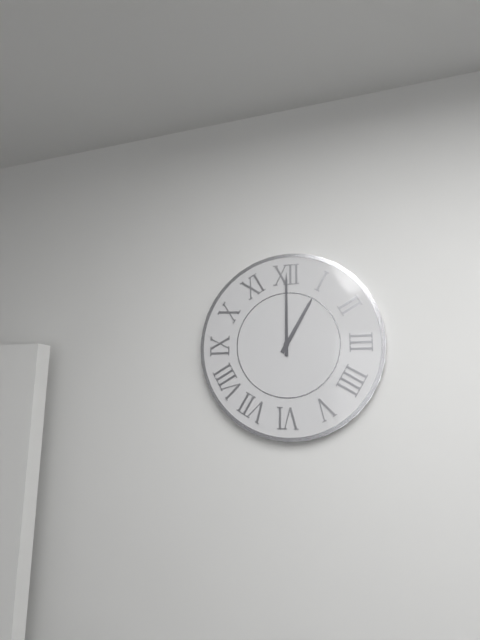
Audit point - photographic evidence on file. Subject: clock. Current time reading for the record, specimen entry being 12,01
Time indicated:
1,00
